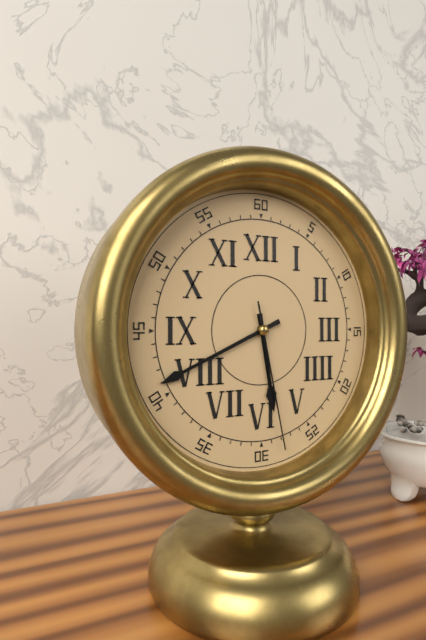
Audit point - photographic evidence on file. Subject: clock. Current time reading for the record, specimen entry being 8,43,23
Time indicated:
5,41,28
